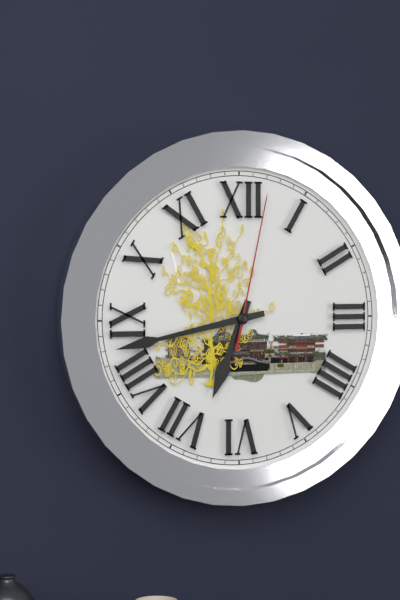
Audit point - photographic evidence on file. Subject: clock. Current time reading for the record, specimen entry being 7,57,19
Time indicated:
6,43,02
